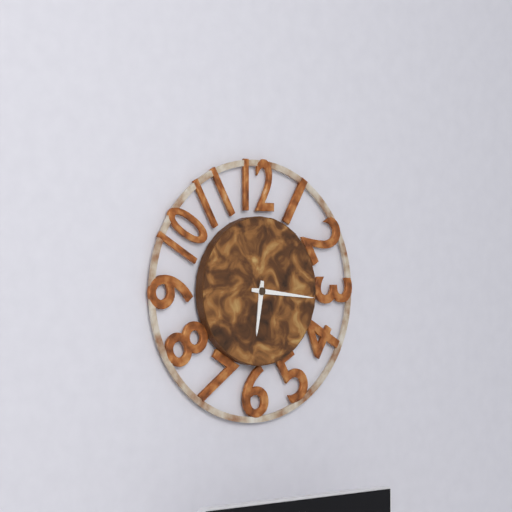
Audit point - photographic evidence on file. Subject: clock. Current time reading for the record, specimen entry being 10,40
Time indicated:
6,16
